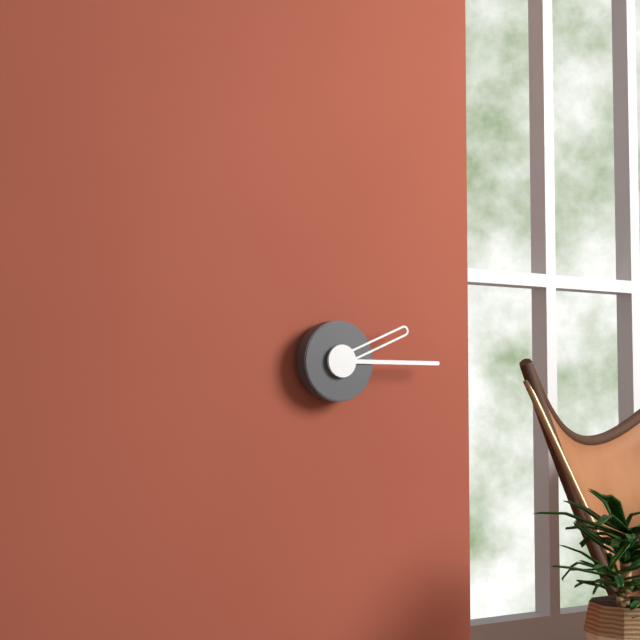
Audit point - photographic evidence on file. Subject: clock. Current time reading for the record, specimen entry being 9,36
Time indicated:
2,15
